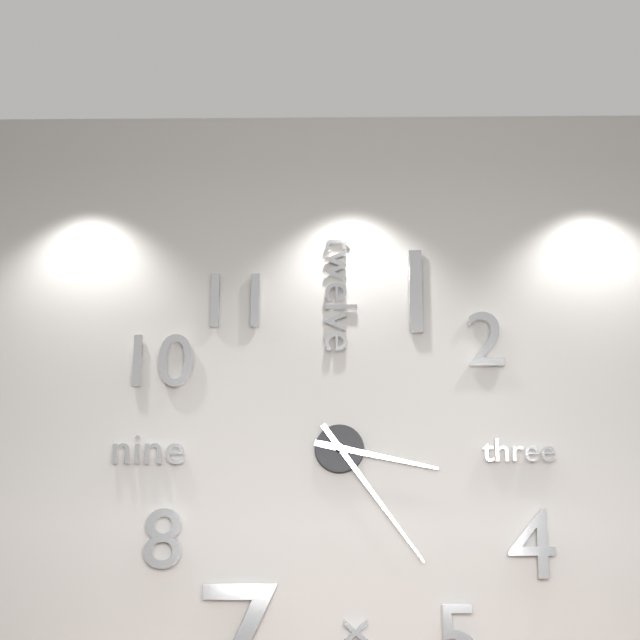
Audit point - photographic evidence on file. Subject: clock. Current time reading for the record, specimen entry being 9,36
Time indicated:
3,24
